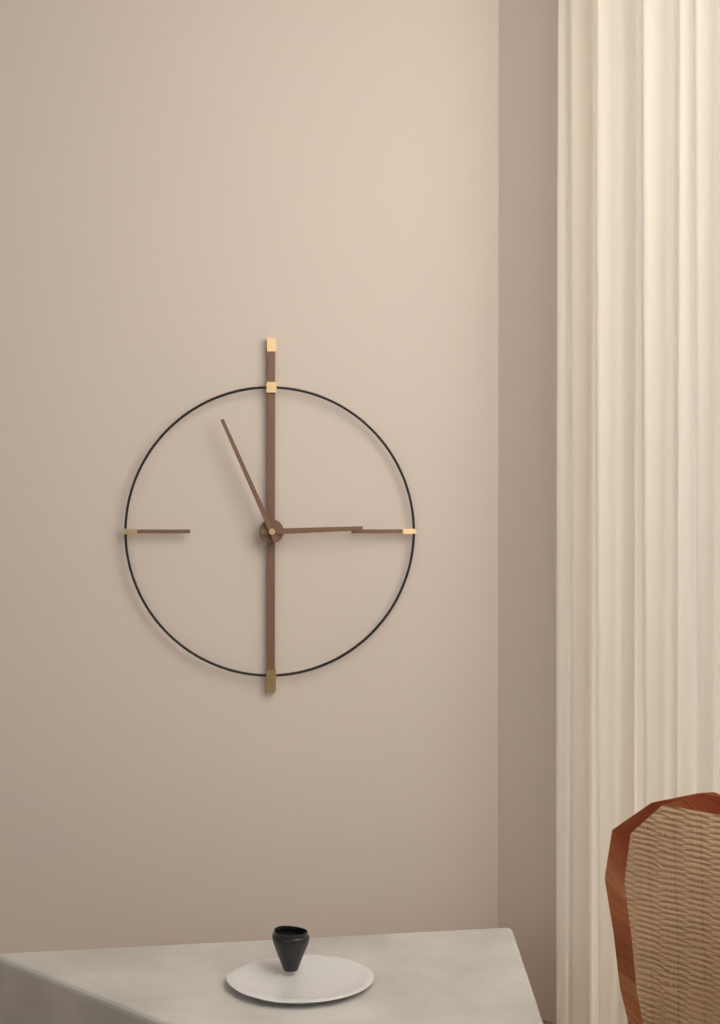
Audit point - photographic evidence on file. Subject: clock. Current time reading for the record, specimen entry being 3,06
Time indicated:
2,56
